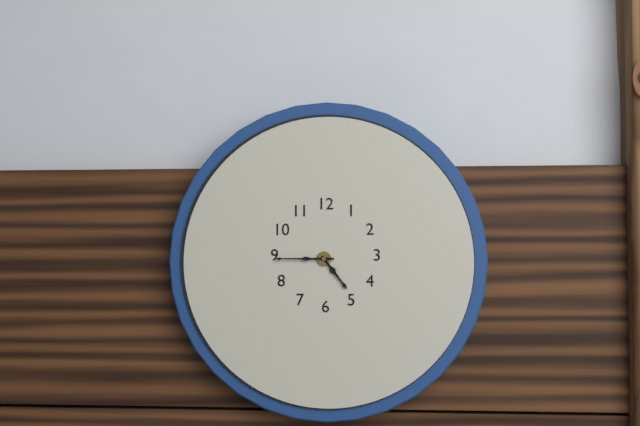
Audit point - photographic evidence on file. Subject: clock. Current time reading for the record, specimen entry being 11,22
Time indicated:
4,45
